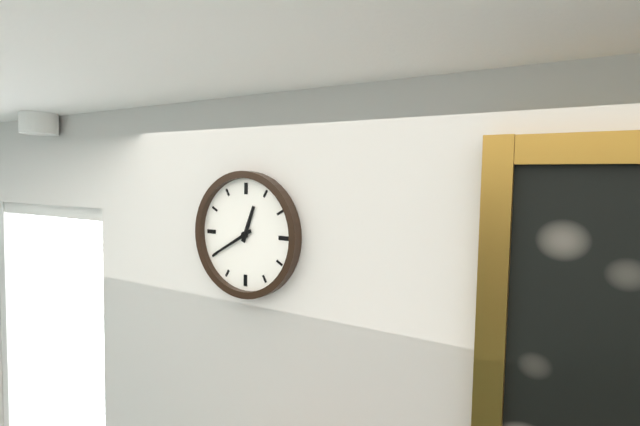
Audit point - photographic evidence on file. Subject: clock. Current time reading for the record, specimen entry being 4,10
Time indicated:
12,40
